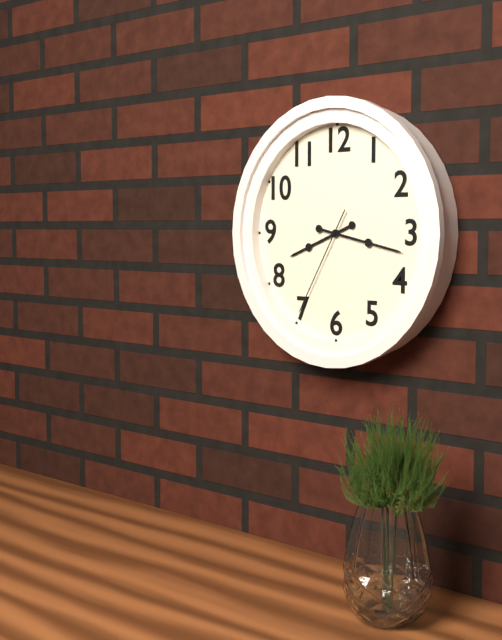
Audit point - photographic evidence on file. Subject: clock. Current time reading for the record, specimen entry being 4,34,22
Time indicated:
8,17,35
